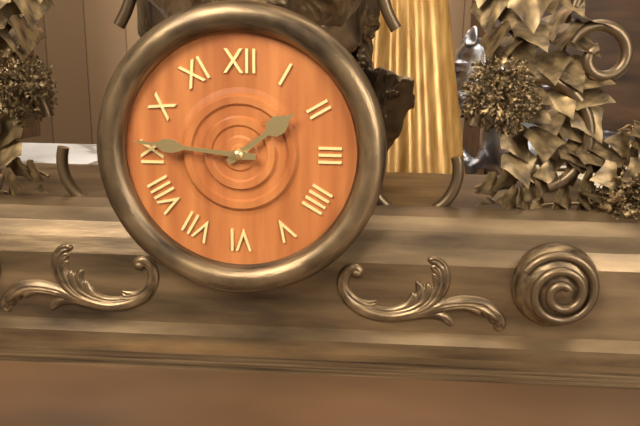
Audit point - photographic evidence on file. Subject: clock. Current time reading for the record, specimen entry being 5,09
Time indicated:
1,46
